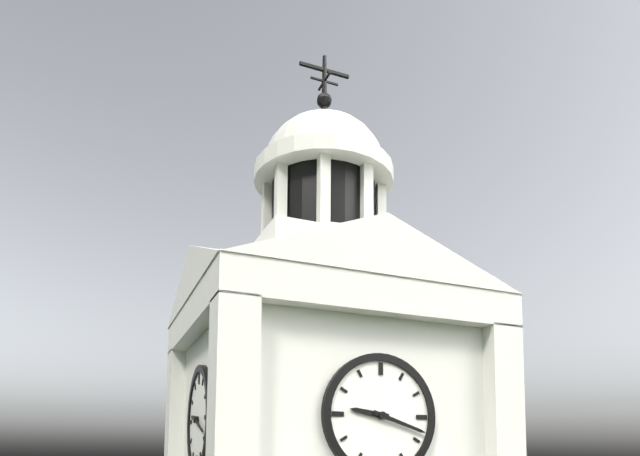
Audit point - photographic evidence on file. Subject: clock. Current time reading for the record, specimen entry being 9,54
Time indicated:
9,18
